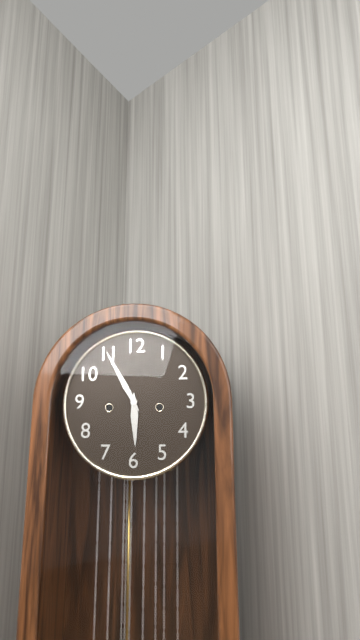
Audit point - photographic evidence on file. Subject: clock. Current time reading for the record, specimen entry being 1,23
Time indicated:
5,55
